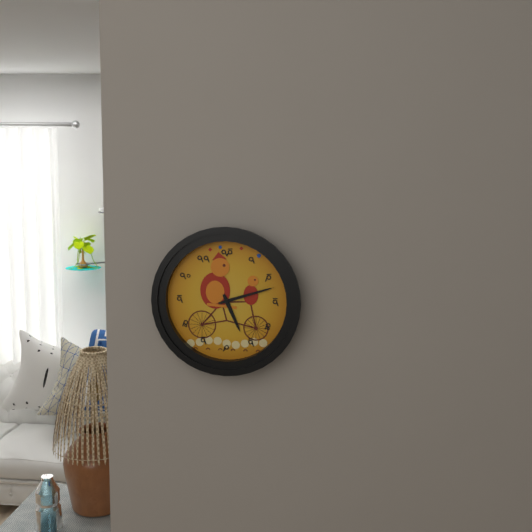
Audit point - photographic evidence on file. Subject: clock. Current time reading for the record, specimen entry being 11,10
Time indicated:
5,12
